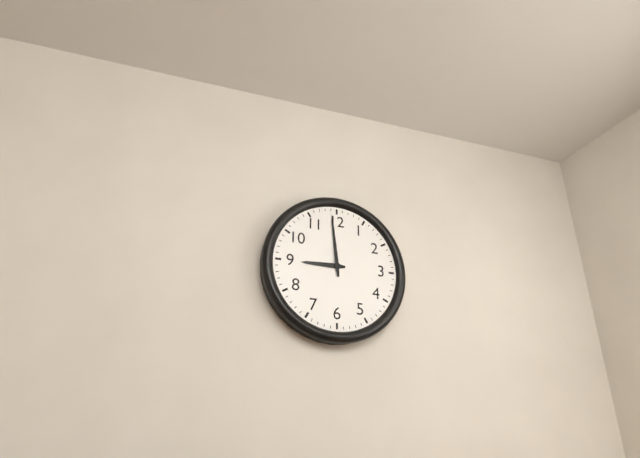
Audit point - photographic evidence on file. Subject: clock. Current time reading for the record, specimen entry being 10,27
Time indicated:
8,59
